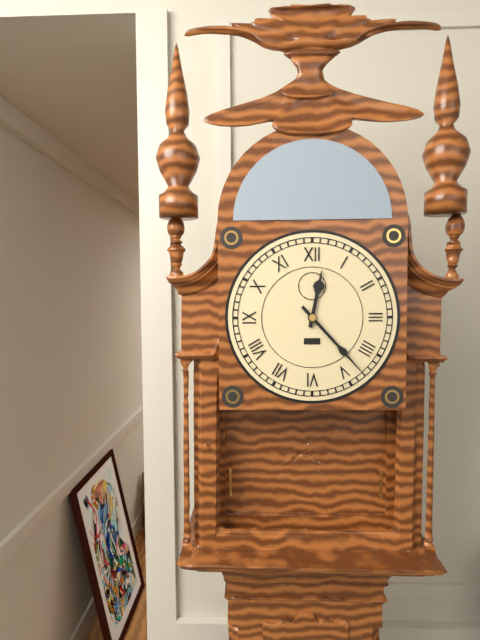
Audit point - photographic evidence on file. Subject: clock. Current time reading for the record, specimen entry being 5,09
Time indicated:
12,23
